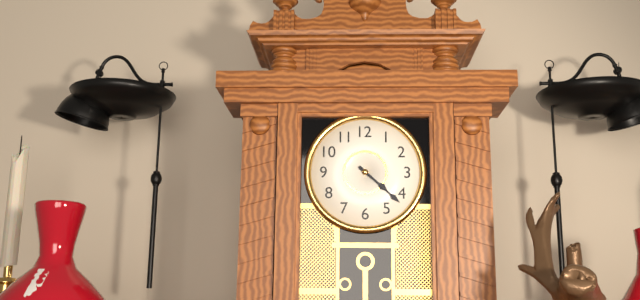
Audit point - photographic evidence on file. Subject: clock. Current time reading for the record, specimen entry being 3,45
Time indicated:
4,22
